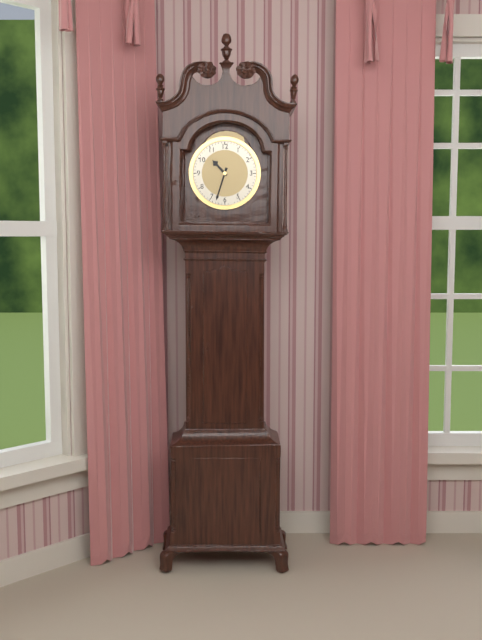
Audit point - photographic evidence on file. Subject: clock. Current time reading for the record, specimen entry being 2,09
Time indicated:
10,33
